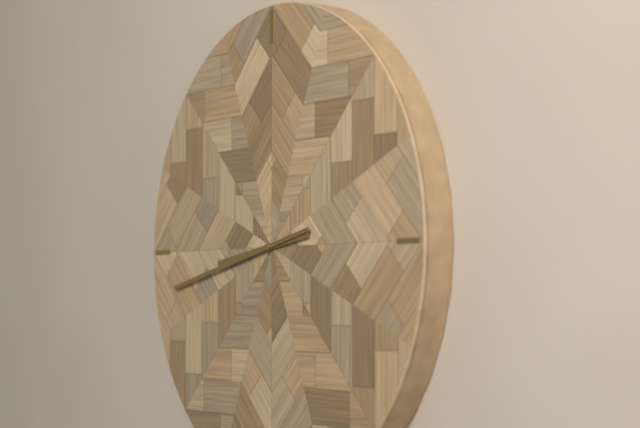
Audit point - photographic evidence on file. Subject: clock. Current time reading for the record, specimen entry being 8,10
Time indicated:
8,43
